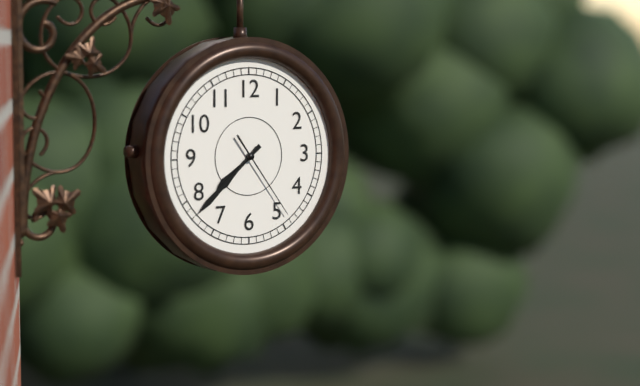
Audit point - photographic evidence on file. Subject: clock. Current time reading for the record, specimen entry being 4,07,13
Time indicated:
7,38,24
